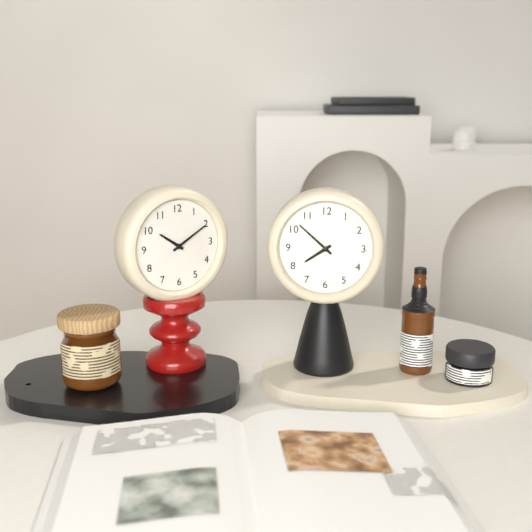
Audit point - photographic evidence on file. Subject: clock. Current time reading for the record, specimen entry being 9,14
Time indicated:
7,52
